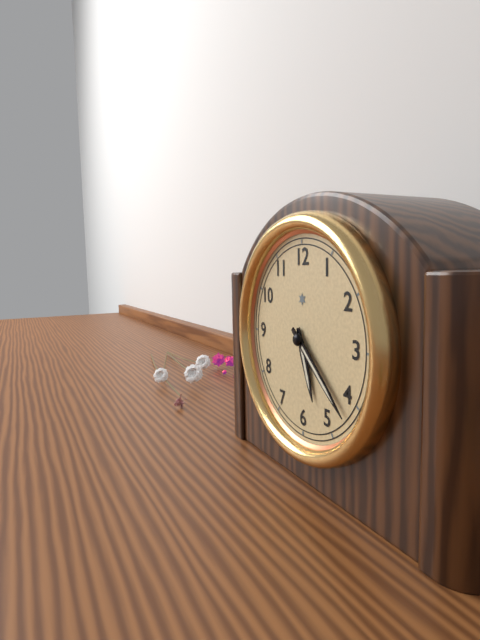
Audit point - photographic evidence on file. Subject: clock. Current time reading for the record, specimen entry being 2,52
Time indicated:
5,22
